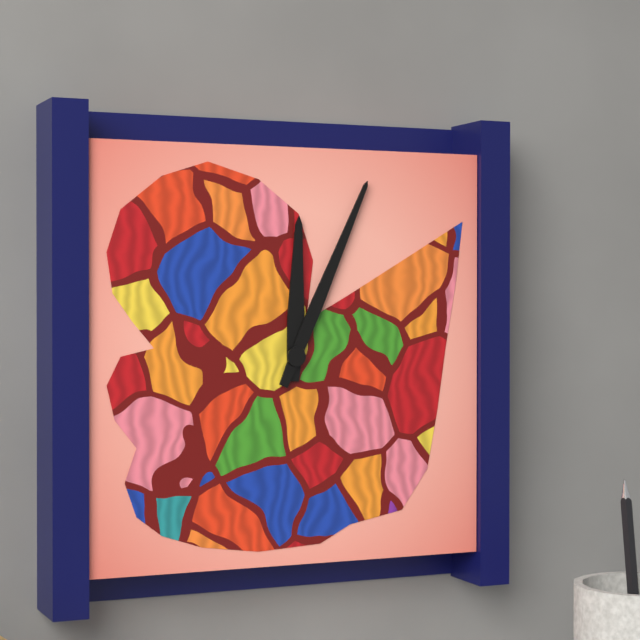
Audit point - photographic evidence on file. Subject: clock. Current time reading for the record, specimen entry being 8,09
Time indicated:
12,04
